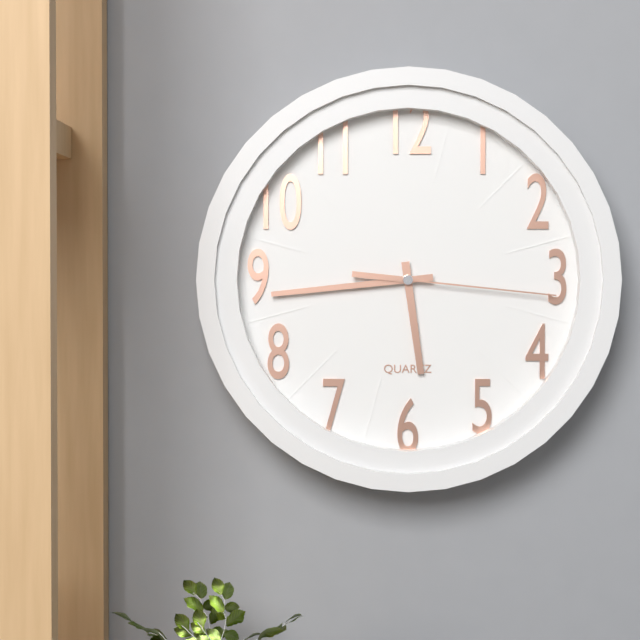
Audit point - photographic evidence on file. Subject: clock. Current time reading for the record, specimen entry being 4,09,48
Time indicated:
5,44,16
